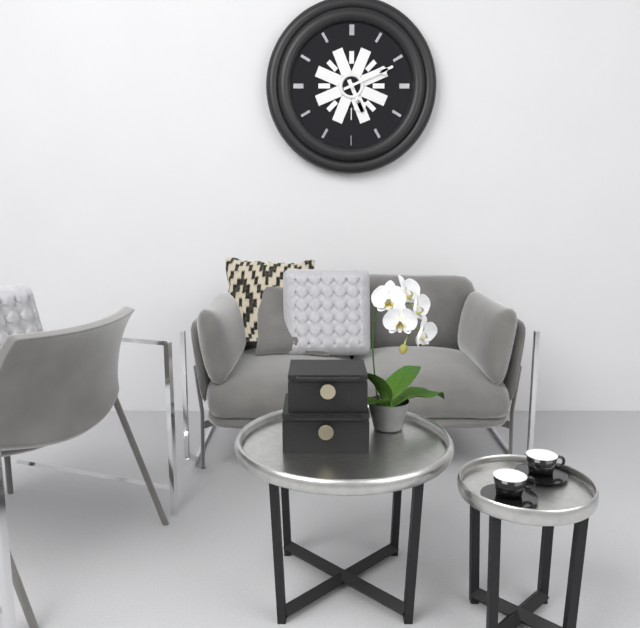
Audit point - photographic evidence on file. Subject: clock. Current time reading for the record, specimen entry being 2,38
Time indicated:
5,11
